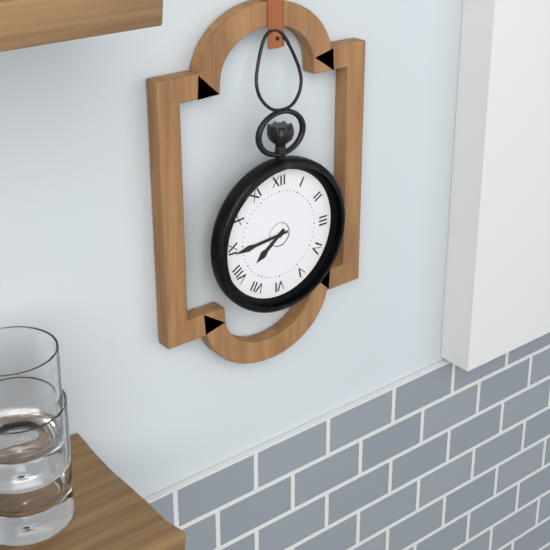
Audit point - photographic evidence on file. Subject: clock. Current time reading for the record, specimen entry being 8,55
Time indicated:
7,44
